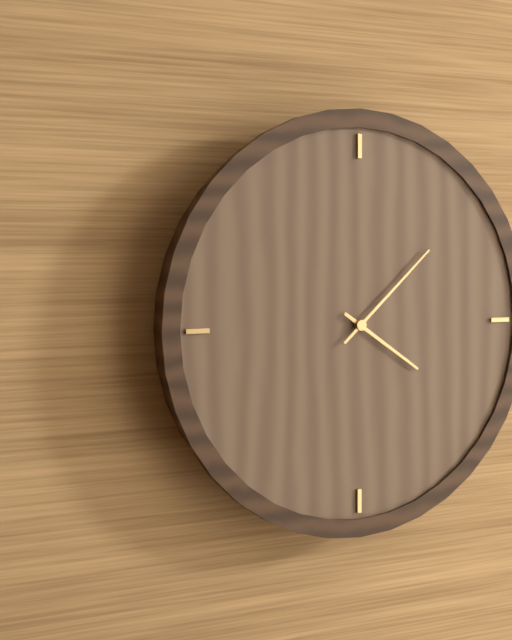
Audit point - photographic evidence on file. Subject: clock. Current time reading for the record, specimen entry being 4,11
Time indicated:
4,08
